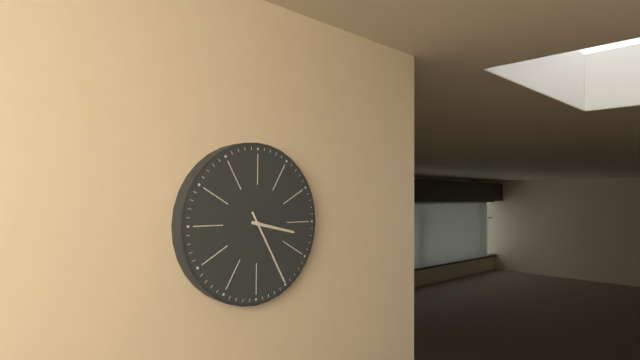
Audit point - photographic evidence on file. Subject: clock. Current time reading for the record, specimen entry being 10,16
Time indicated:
3,25
